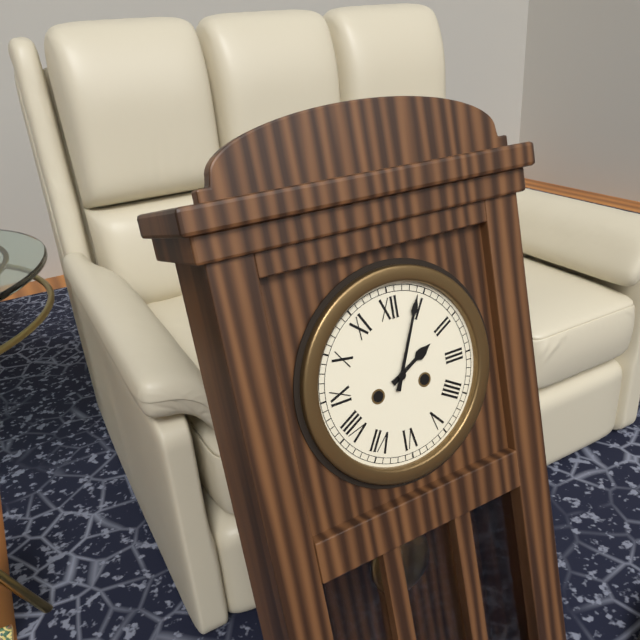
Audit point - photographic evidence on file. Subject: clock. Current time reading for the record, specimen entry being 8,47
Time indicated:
2,04
